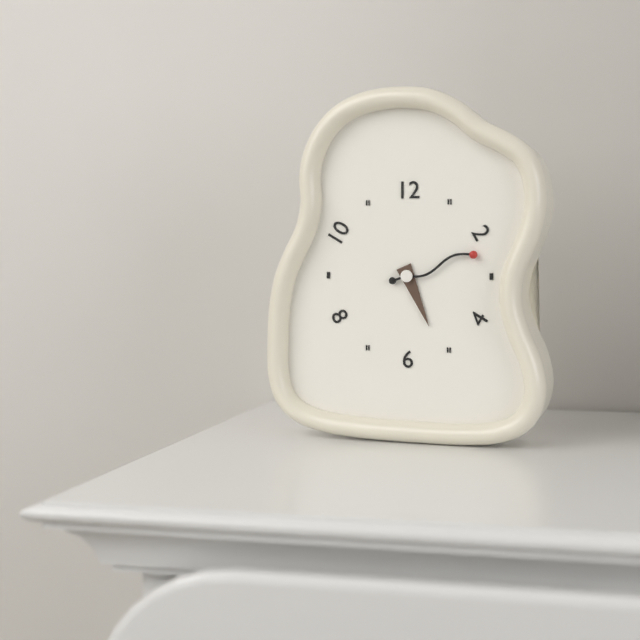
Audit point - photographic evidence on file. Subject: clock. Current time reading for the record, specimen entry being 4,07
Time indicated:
5,12
